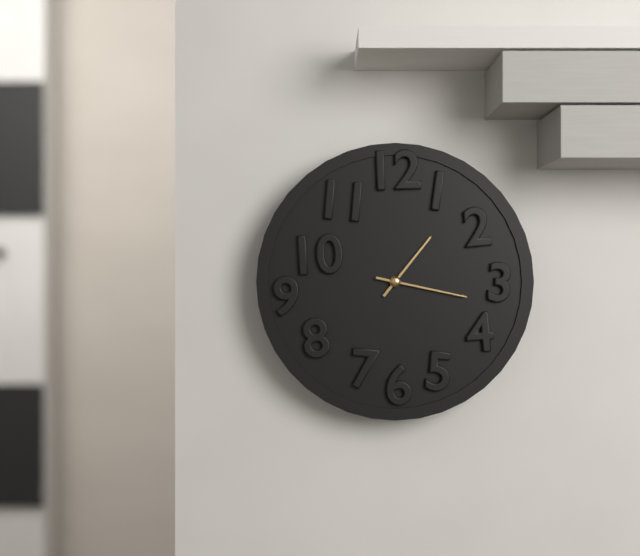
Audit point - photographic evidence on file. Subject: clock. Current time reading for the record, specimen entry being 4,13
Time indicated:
1,17
